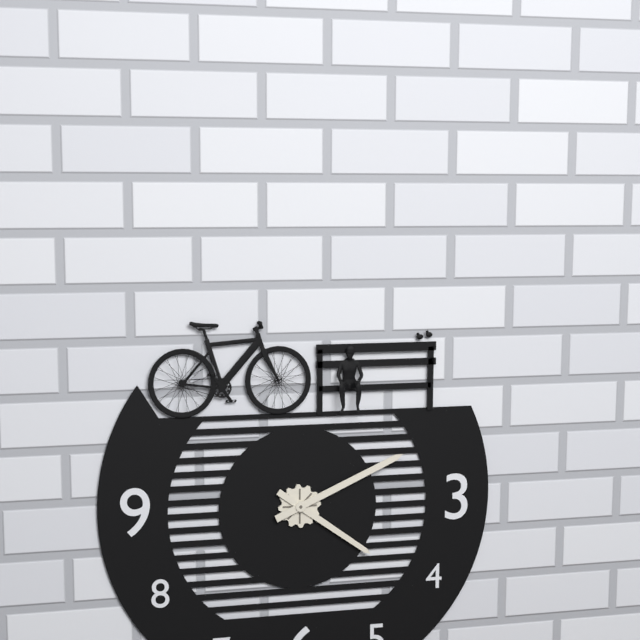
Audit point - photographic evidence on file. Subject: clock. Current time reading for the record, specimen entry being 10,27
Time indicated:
4,11
